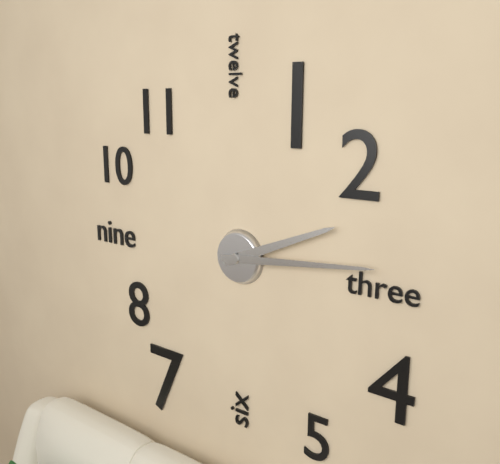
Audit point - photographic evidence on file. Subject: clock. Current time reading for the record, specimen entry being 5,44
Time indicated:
2,14
